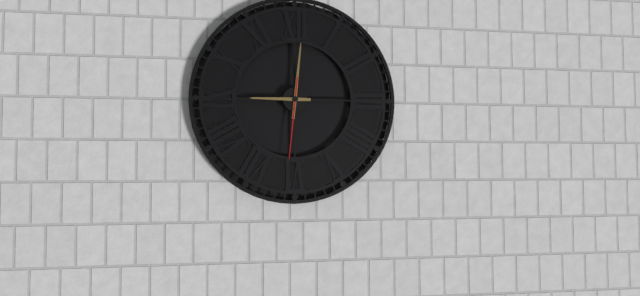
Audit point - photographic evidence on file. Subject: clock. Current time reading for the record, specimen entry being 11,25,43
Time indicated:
9,01,31
